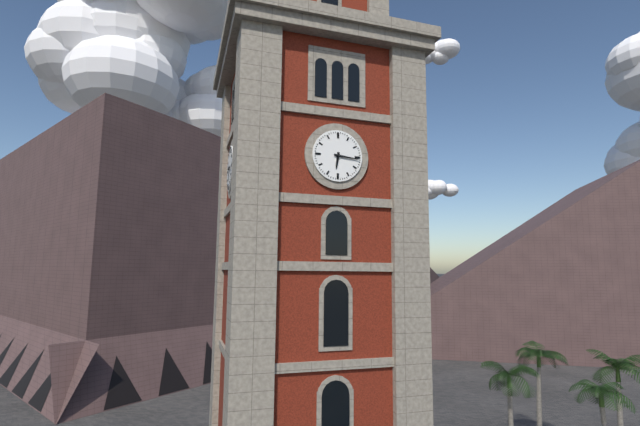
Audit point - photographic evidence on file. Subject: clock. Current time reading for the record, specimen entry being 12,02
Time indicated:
6,16
